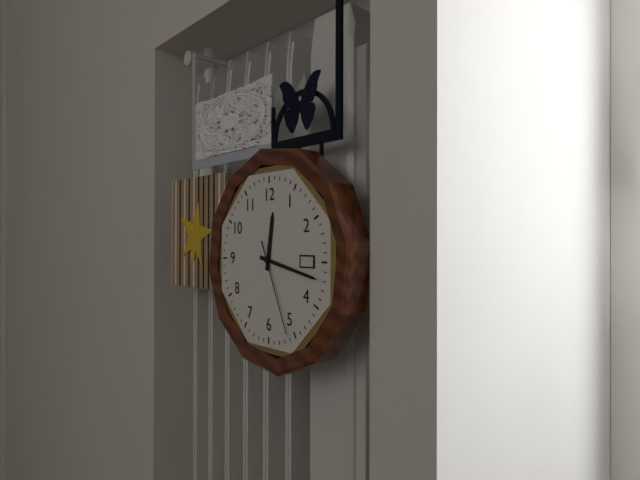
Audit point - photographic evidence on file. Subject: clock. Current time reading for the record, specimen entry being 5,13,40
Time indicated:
12,17,26
